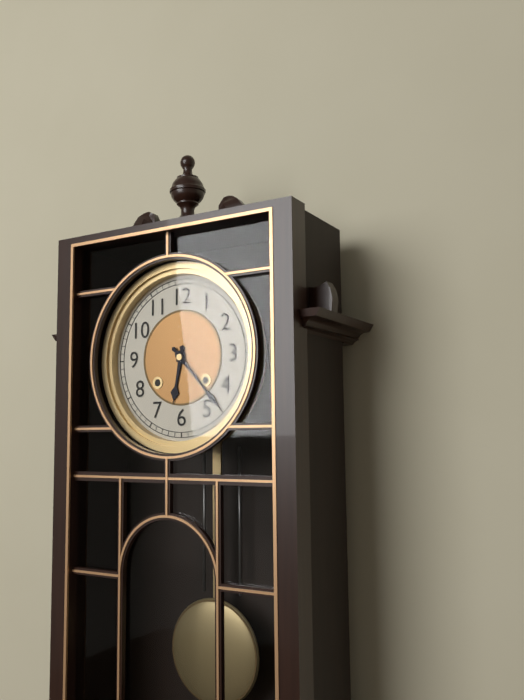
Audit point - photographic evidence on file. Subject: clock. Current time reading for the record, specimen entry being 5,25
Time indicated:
6,23
